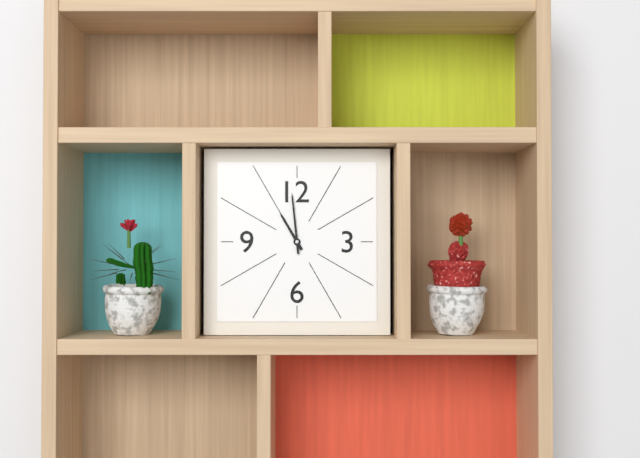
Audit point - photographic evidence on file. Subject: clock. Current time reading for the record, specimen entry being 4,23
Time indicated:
10,59
